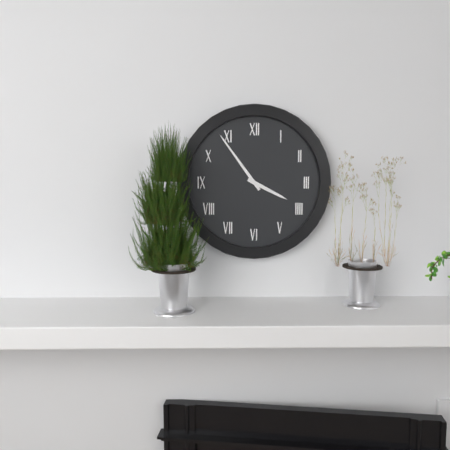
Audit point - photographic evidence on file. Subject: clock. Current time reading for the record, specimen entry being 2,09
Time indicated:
3,54
